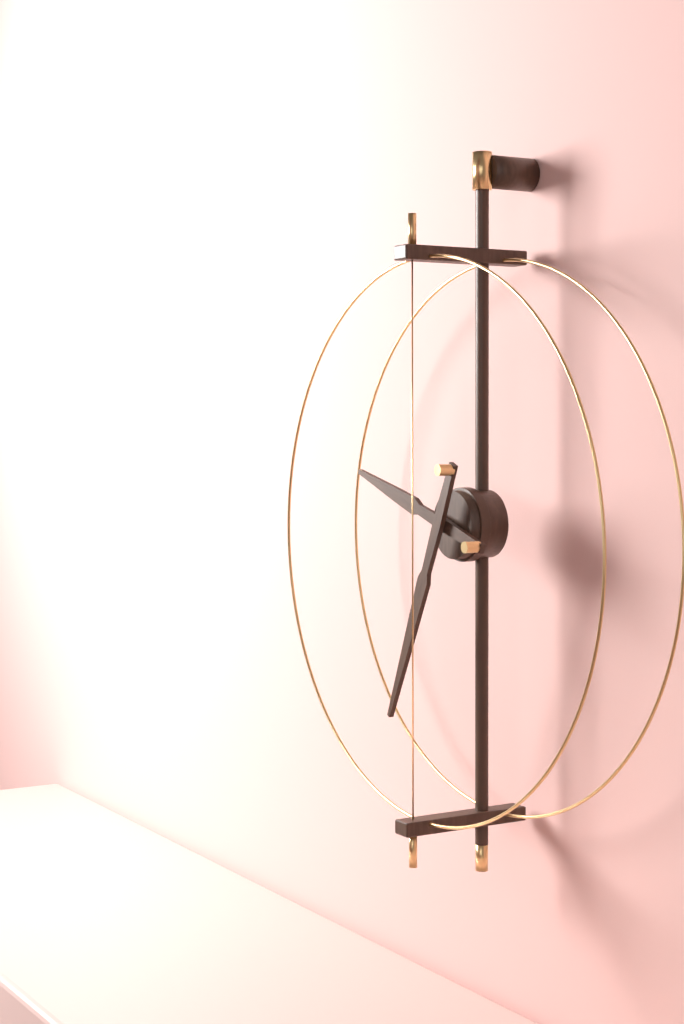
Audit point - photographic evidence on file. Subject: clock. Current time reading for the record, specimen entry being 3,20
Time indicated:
9,34
